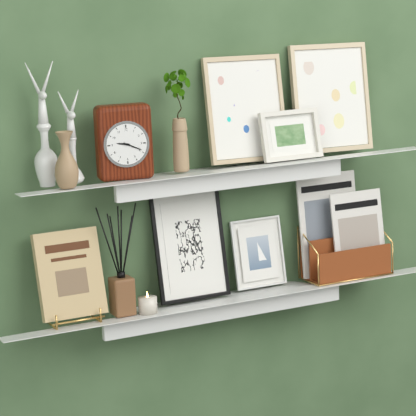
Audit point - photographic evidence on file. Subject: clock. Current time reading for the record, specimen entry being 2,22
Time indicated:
9,19
